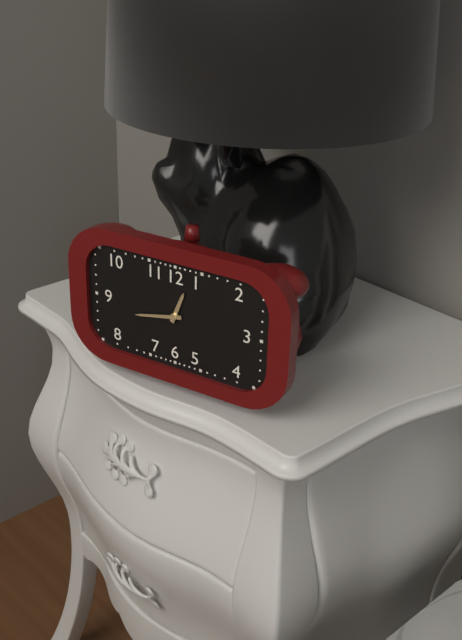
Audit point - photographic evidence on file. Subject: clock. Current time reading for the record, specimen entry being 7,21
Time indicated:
12,43
